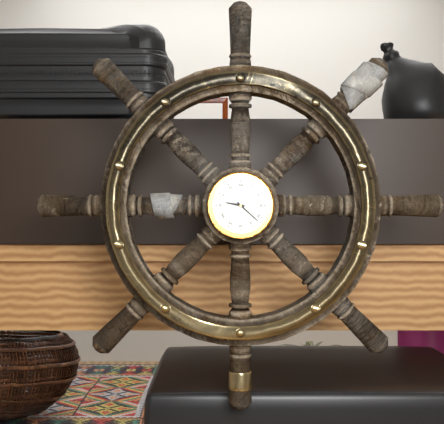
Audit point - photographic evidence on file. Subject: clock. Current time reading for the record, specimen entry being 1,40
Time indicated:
9,22
